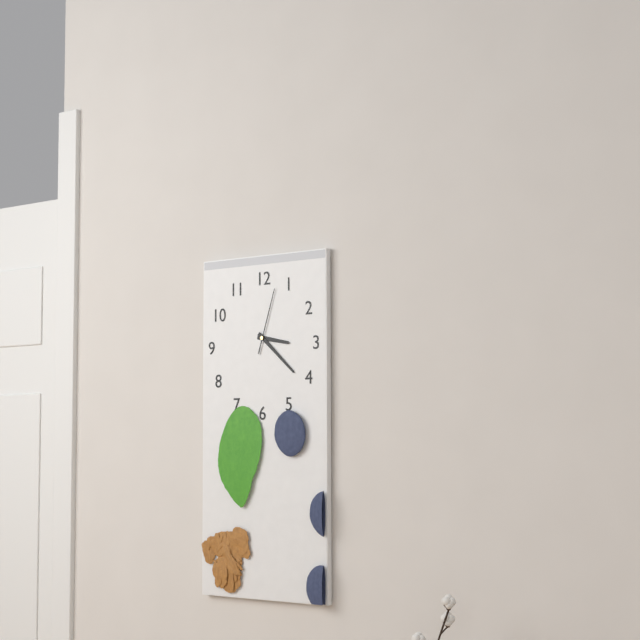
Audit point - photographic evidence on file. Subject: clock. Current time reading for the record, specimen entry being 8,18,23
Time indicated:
3,22,03
